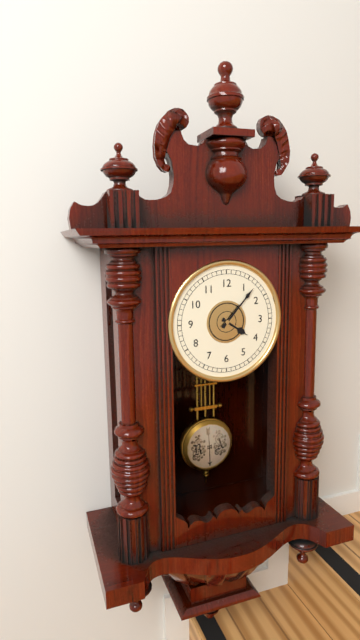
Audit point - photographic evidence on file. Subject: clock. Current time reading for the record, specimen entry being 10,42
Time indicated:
4,07
